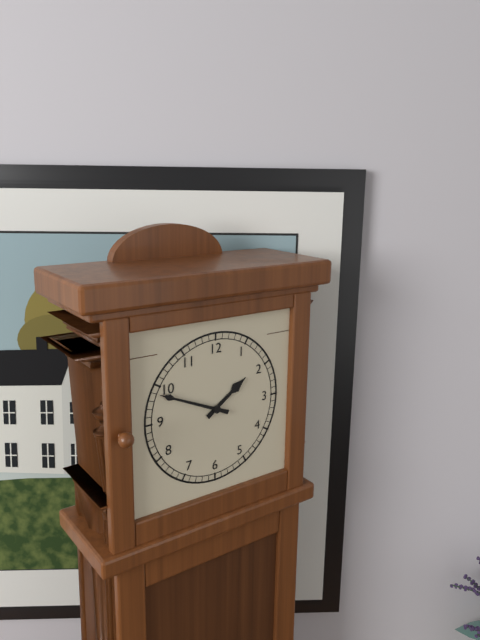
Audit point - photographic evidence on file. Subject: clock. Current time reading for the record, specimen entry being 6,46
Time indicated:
1,49
